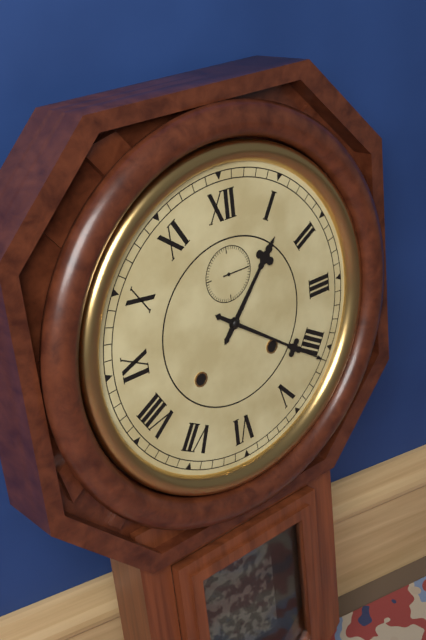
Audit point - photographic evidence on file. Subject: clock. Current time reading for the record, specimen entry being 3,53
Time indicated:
1,21
